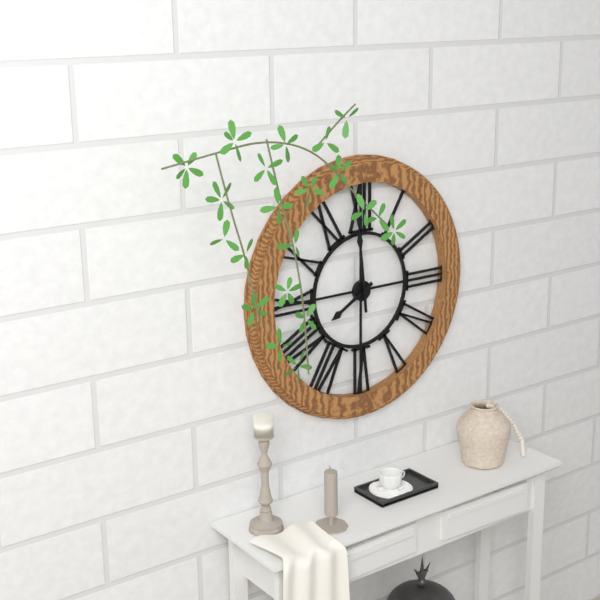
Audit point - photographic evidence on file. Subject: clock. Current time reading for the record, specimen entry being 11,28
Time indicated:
7,59
